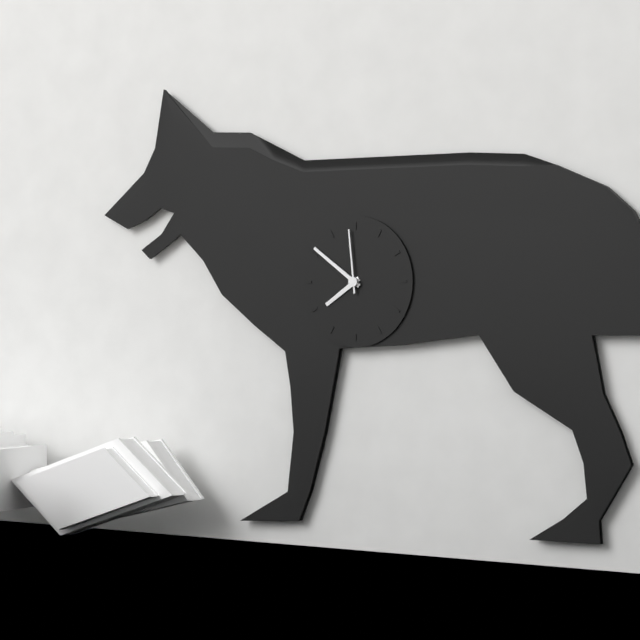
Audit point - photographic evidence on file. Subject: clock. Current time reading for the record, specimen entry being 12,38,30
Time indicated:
7,51,59
